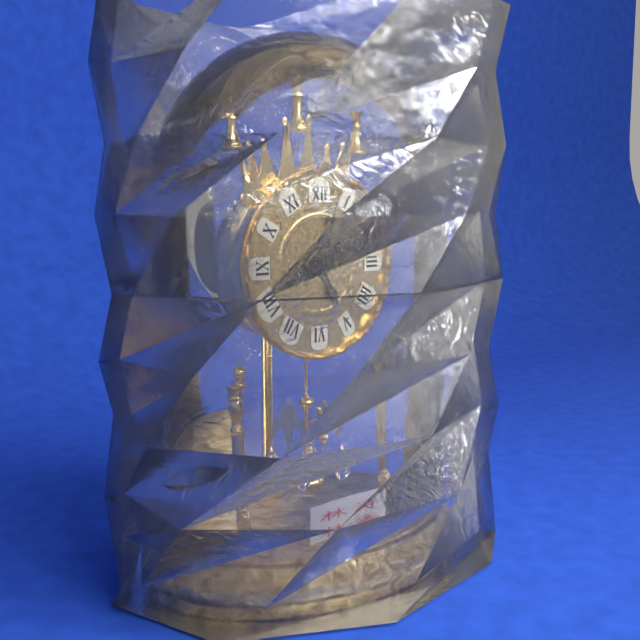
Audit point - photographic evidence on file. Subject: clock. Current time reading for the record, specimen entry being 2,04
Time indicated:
5,03
